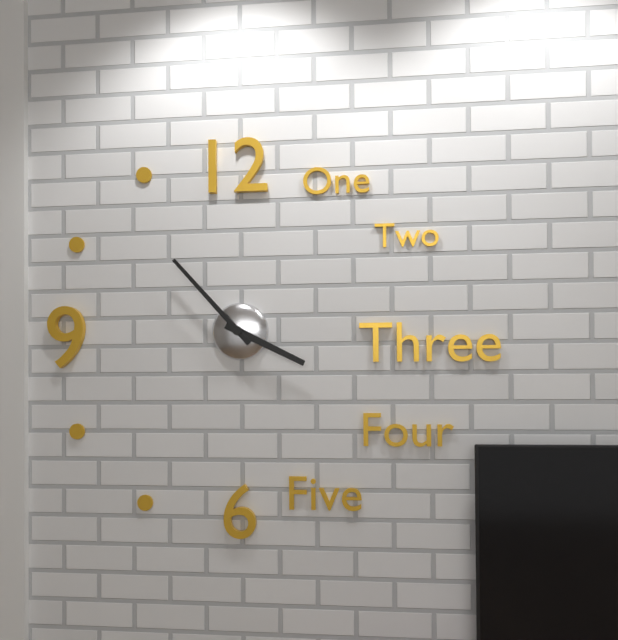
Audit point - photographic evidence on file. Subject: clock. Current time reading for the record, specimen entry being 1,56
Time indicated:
3,53
